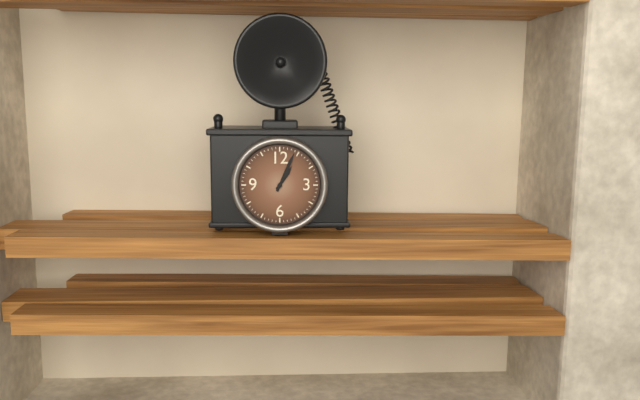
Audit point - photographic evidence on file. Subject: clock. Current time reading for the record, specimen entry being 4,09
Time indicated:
1,04
